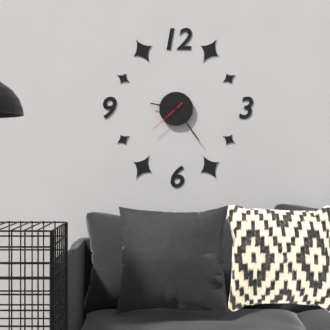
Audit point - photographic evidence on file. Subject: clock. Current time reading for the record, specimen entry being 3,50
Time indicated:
9,24
